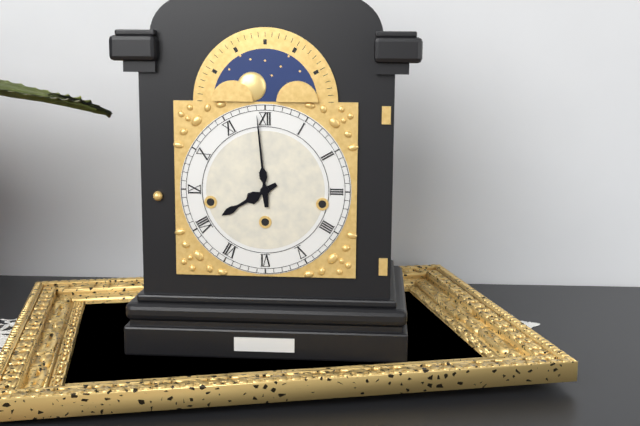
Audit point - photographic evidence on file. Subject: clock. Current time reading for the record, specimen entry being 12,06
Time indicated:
7,59
